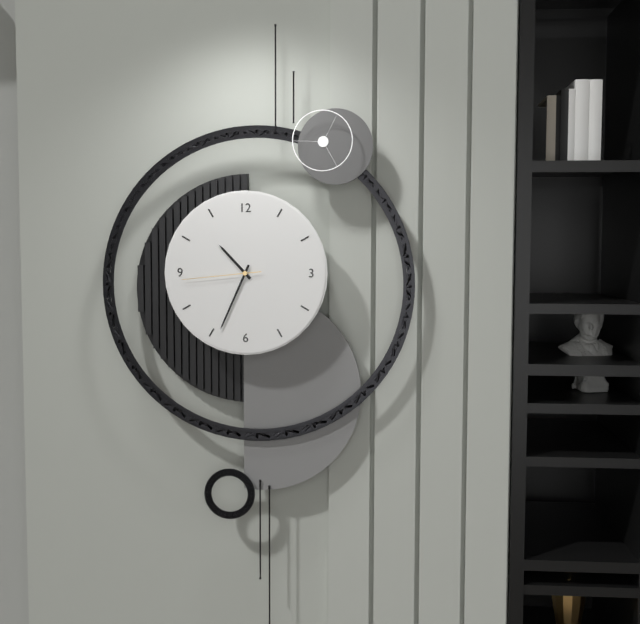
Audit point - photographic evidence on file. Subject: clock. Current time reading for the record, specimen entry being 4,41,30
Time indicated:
10,34,44
